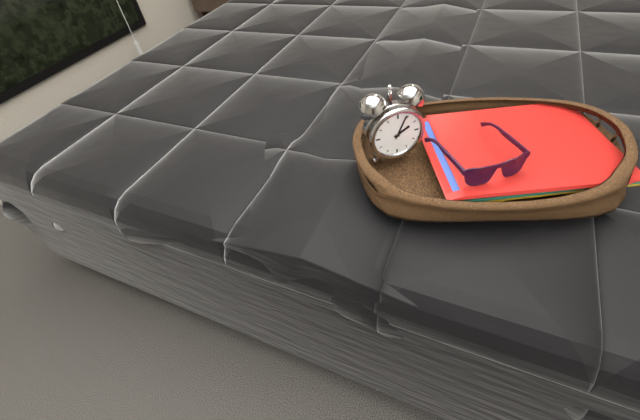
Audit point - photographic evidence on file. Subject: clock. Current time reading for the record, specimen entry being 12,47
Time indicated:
2,04
